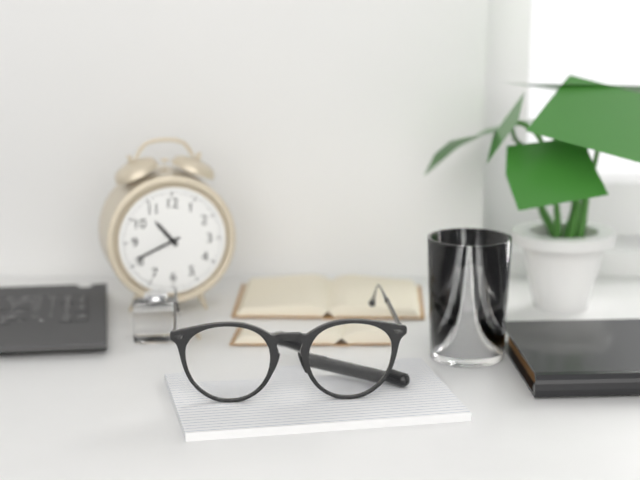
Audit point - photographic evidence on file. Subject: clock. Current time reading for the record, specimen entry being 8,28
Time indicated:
10,41
